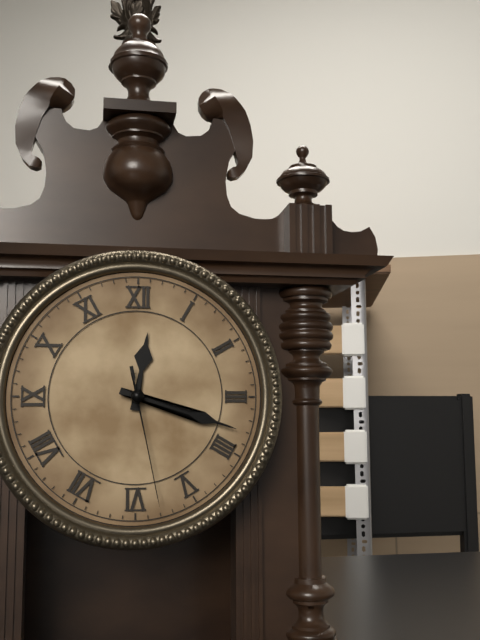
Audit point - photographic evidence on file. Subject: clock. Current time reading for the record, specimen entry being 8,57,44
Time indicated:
12,18,28
